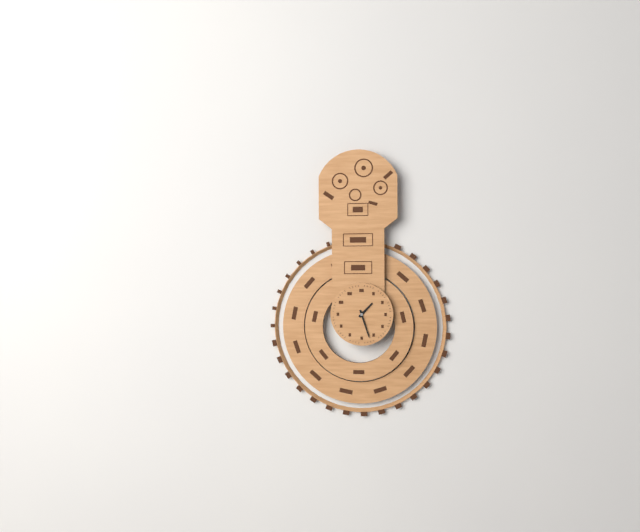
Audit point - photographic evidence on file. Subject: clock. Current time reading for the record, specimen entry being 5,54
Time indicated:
1,27
